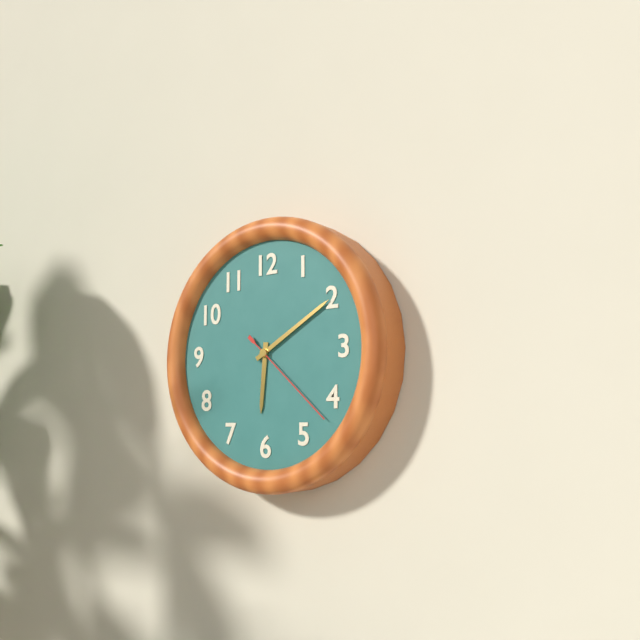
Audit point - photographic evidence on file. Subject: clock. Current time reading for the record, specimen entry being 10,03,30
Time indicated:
6,10,22
